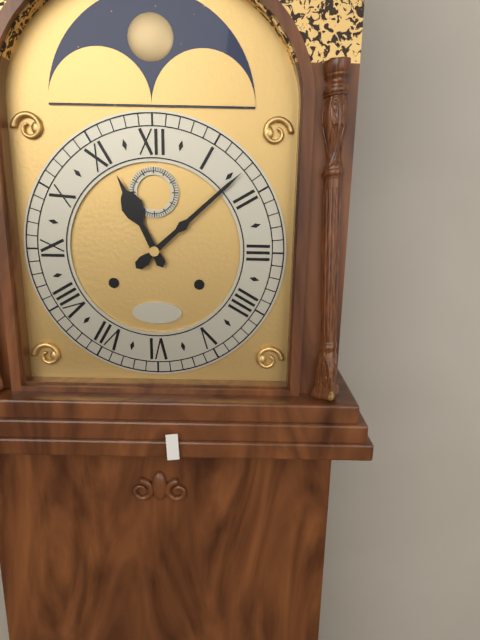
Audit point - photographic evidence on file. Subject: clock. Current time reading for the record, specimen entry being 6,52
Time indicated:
11,08
